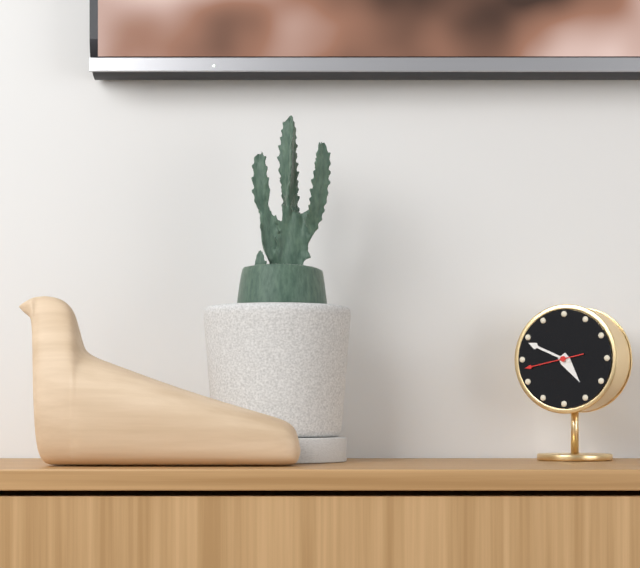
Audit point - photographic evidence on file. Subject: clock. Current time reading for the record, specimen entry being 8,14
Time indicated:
4,49
